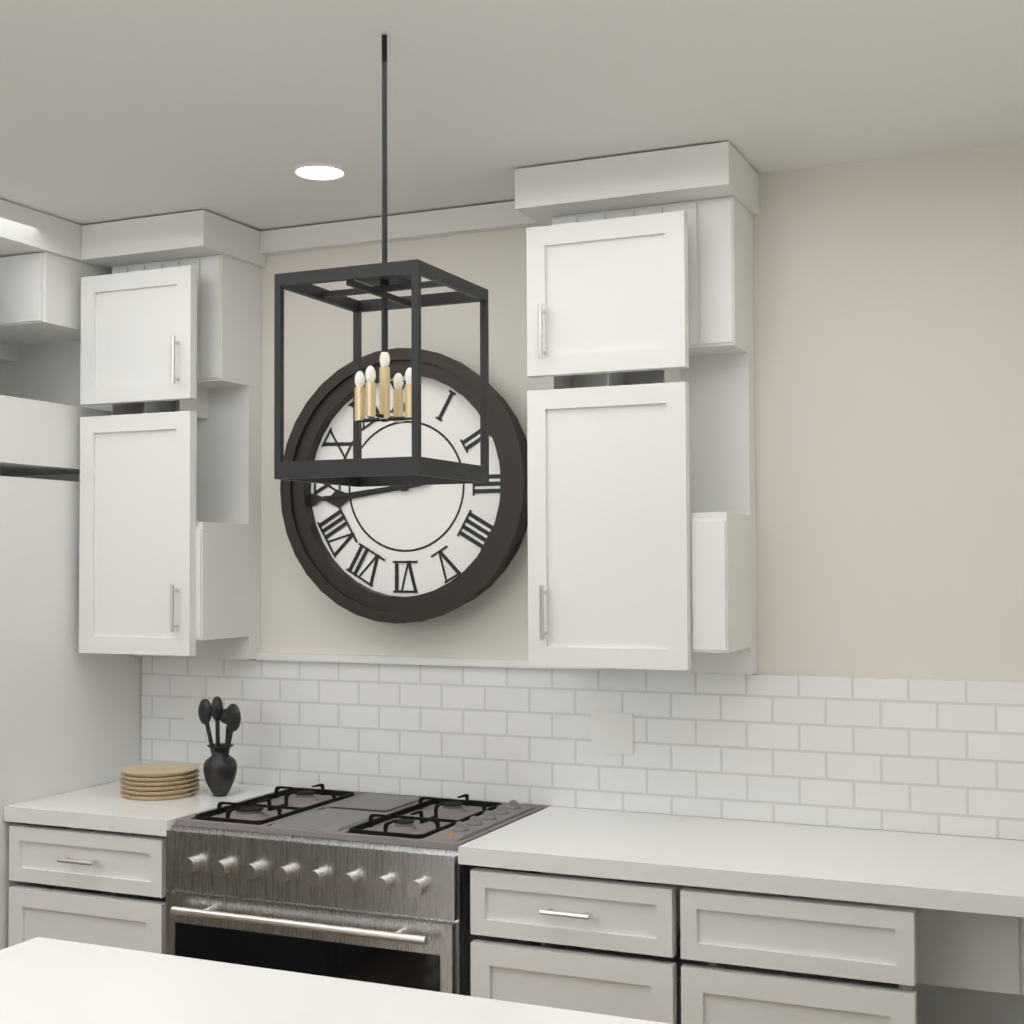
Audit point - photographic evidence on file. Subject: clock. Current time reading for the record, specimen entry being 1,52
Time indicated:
8,44
